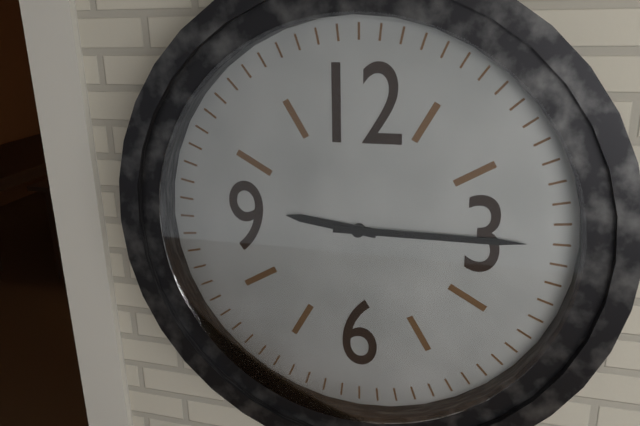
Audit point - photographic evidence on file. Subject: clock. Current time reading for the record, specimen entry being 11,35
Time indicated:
9,15
